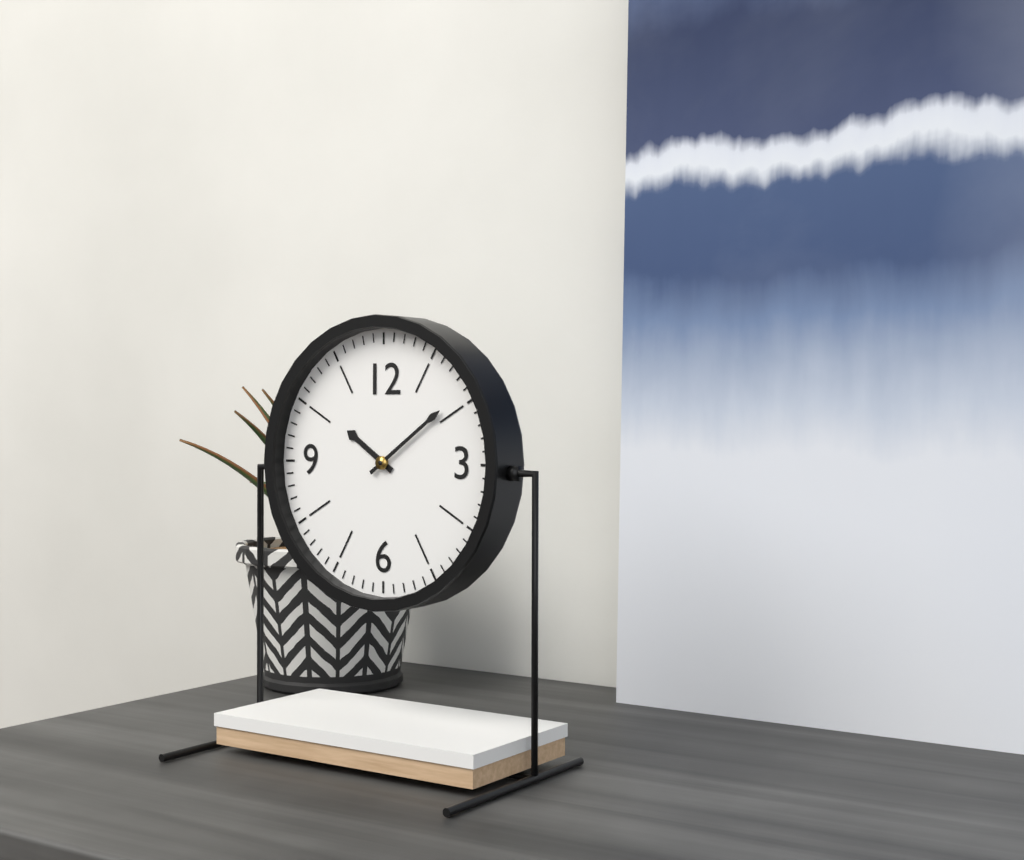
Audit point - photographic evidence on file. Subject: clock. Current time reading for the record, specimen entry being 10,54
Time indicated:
10,09
